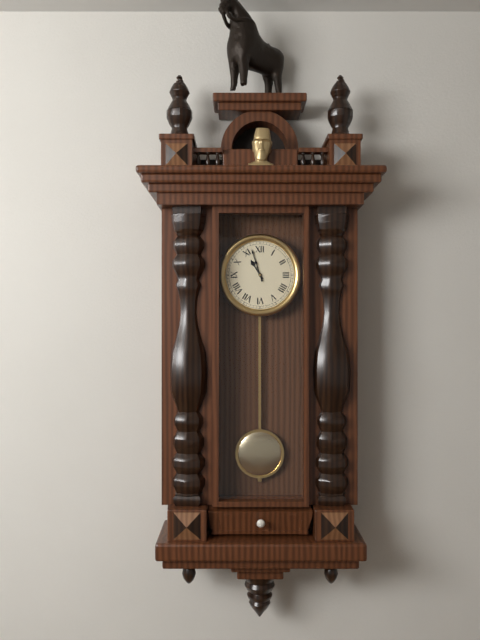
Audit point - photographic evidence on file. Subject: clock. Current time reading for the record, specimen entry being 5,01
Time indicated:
10,57
